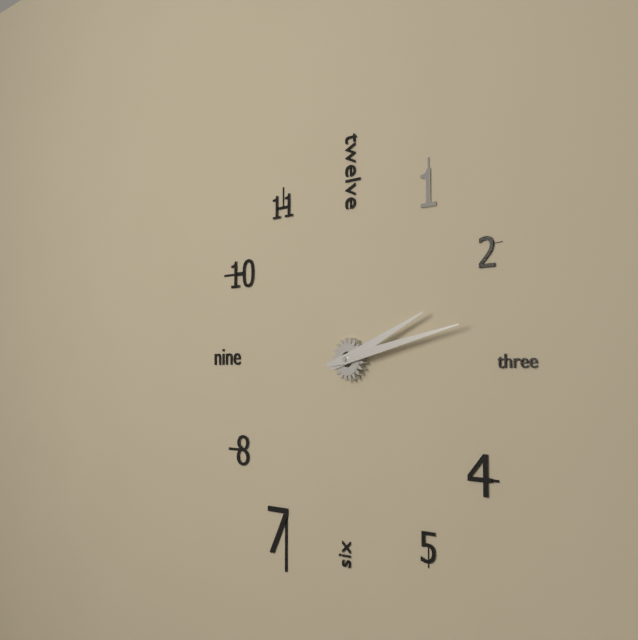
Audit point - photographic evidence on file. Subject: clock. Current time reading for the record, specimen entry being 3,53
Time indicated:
2,13
